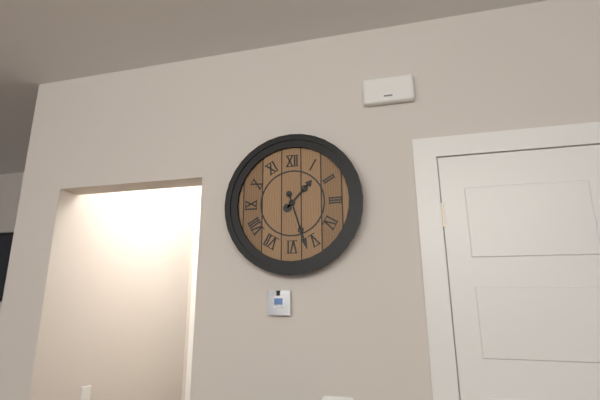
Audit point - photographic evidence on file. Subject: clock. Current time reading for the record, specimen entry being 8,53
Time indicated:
1,27
